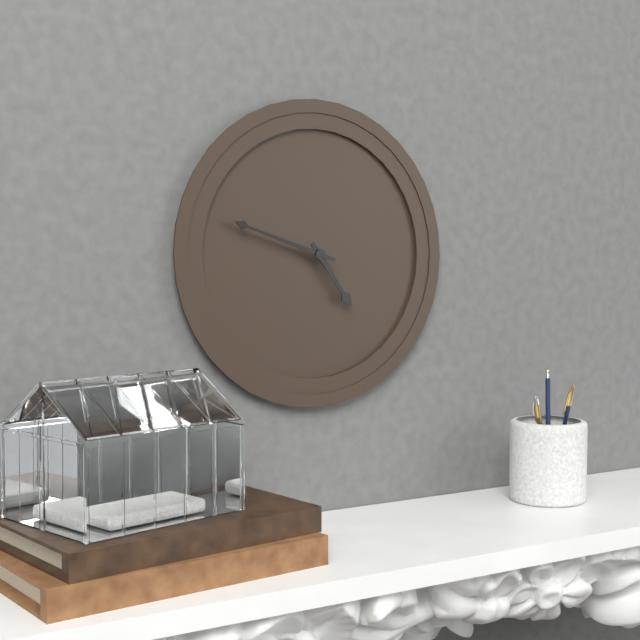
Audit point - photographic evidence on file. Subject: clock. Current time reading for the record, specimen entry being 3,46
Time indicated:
4,48
